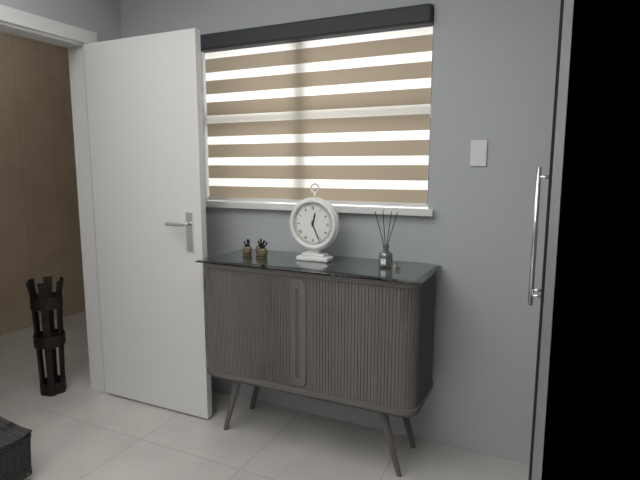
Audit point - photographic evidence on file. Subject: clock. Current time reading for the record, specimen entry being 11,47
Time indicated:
12,26
